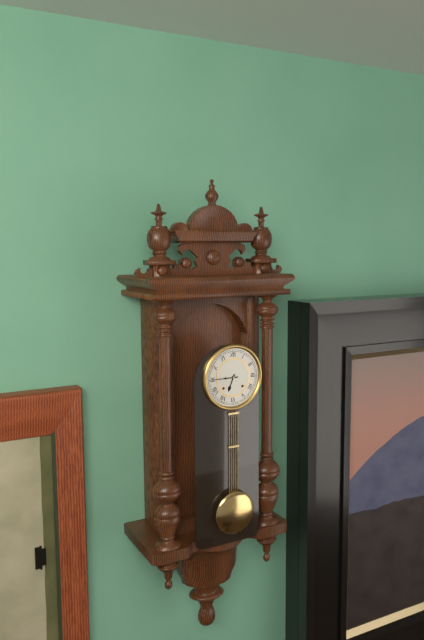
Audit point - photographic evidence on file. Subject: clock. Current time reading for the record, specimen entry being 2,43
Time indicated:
6,45
